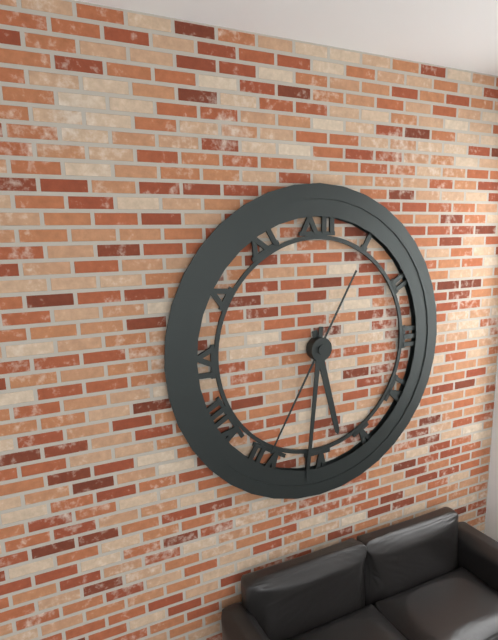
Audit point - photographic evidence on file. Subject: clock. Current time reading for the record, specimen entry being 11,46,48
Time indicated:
5,31,35
